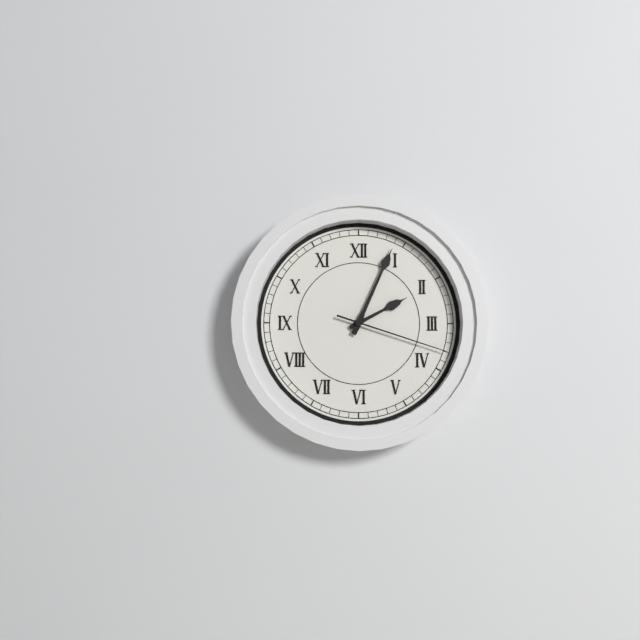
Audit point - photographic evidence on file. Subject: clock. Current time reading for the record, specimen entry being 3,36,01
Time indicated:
2,04,18
